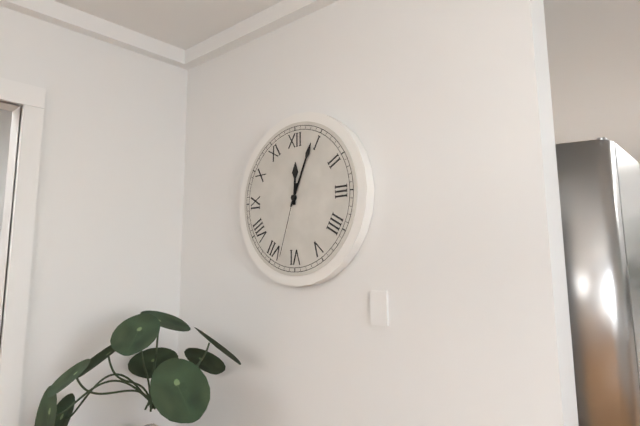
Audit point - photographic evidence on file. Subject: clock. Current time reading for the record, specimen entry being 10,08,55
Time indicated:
12,04,33
